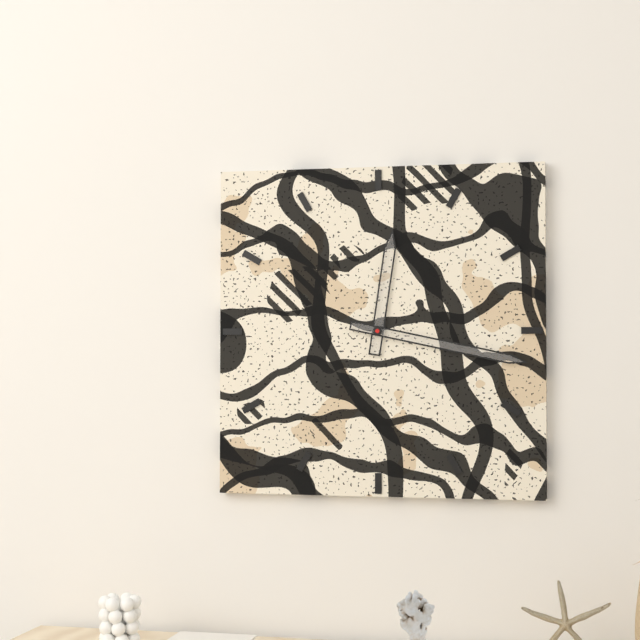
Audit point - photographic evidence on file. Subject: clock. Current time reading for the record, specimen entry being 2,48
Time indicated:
12,17
